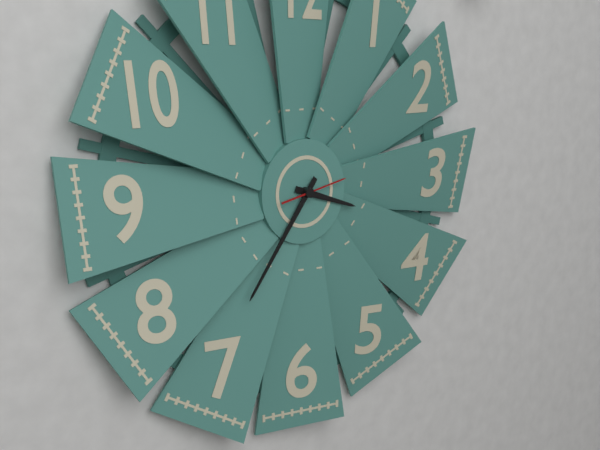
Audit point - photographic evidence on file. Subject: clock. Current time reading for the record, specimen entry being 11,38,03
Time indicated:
3,36,13
